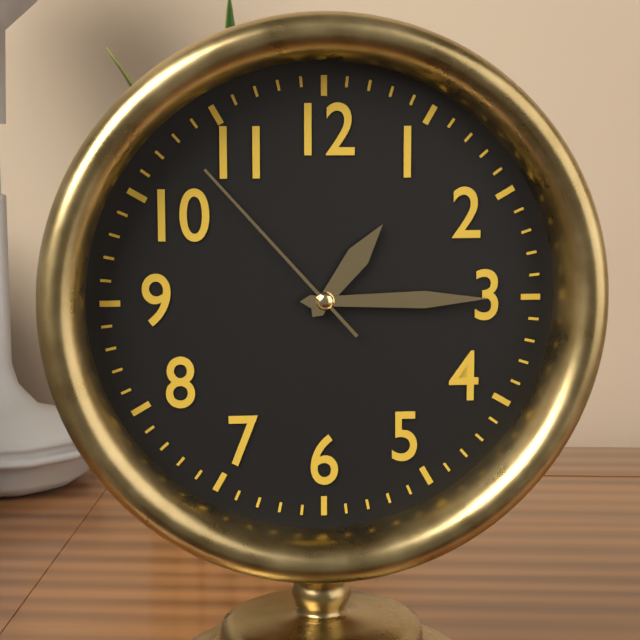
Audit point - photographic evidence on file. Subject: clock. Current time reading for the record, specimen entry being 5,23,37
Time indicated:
1,15,53
